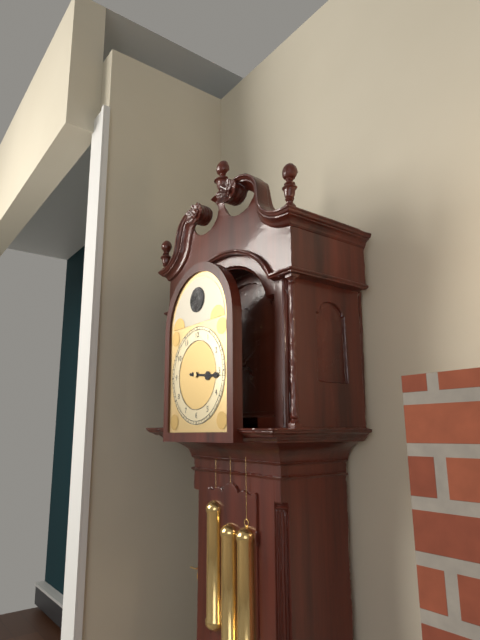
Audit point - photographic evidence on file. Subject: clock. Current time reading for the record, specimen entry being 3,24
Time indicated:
3,16
